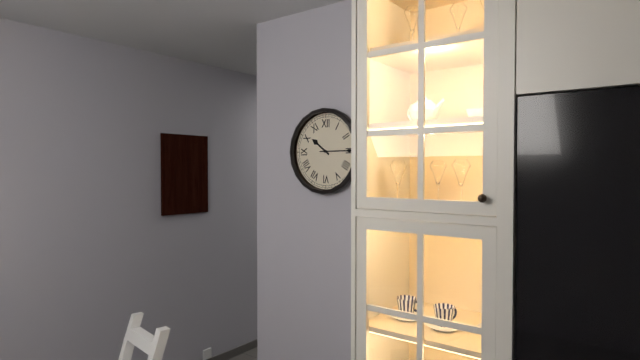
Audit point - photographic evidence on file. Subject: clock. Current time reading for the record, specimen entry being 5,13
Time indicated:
10,15
